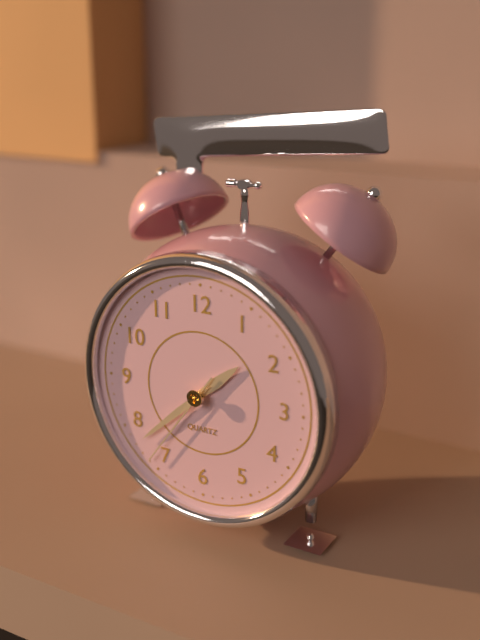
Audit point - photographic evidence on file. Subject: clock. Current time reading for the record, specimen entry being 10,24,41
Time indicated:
1,38,36
